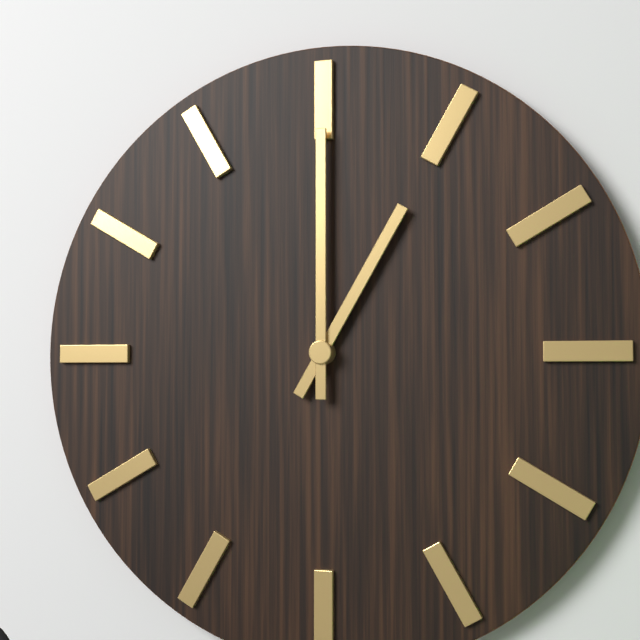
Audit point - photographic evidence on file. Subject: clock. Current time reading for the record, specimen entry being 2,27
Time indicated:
1,00
